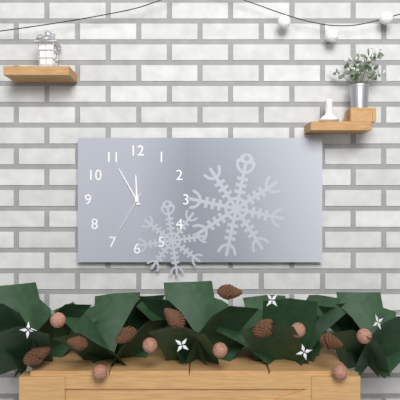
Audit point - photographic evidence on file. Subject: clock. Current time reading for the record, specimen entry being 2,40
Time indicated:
11,55
